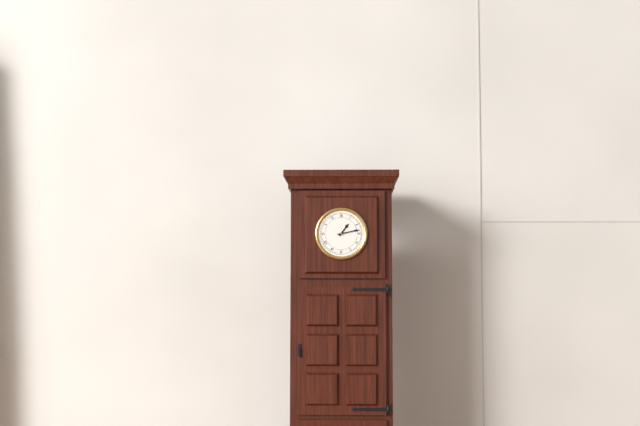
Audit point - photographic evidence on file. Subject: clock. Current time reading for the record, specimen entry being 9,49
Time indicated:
1,13
